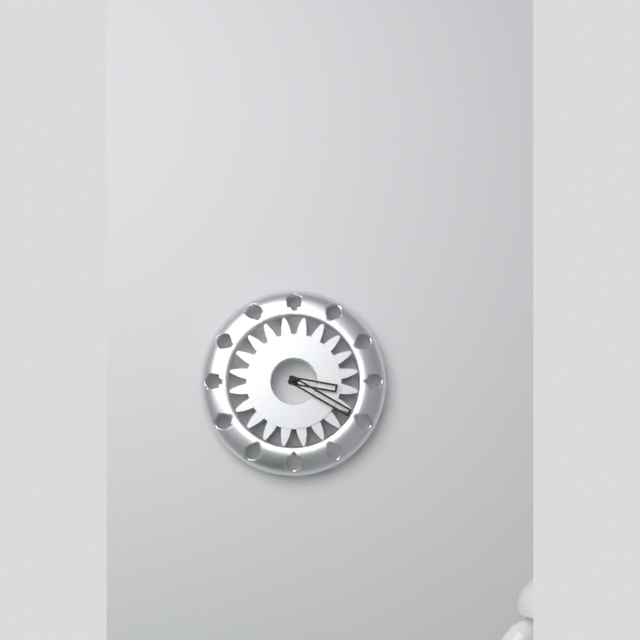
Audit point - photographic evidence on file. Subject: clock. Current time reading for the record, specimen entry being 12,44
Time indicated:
3,20
